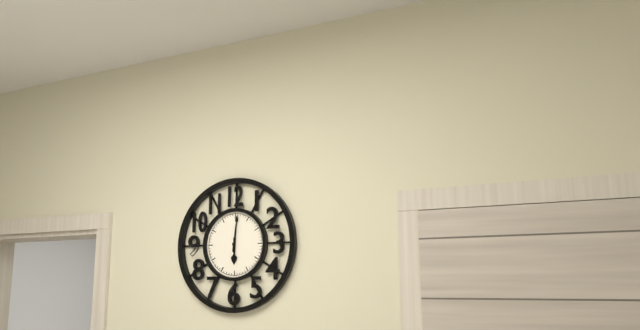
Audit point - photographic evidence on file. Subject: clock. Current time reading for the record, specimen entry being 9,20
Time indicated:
6,01
